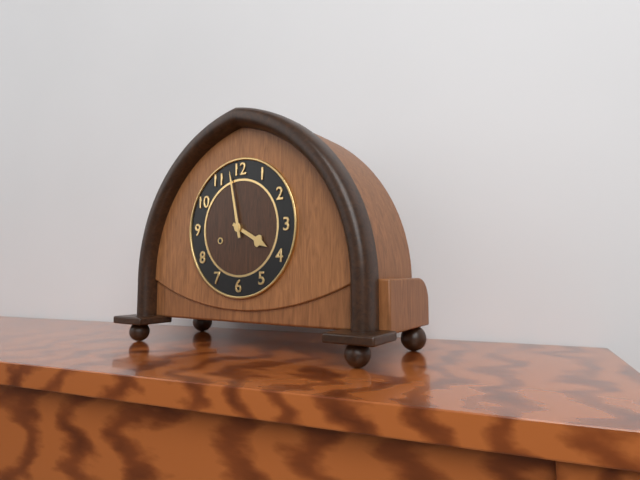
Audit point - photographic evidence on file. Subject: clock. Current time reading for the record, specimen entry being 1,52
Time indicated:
3,58
